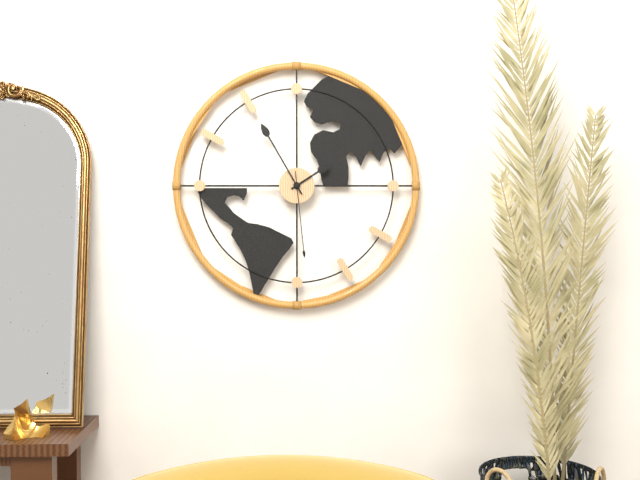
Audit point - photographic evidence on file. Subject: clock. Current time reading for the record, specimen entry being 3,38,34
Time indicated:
1,55,29
